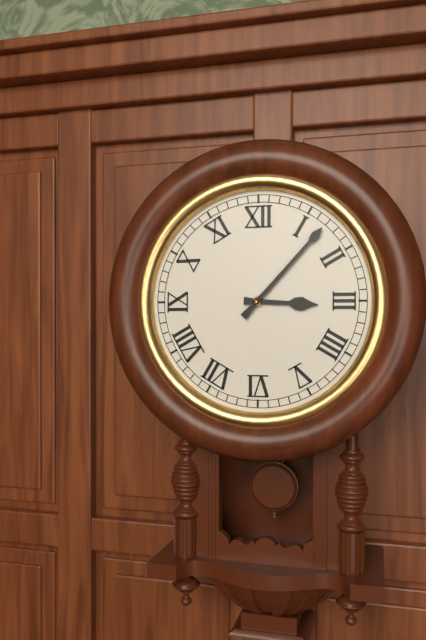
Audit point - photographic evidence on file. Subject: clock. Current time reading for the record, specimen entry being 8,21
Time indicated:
3,07
